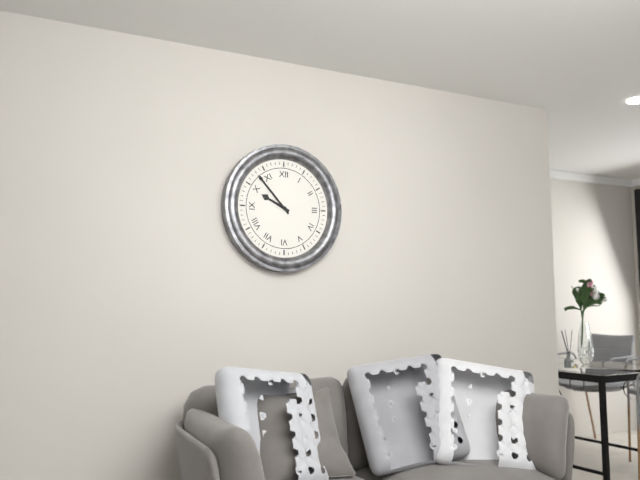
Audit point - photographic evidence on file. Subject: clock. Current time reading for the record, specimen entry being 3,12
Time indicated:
9,53
